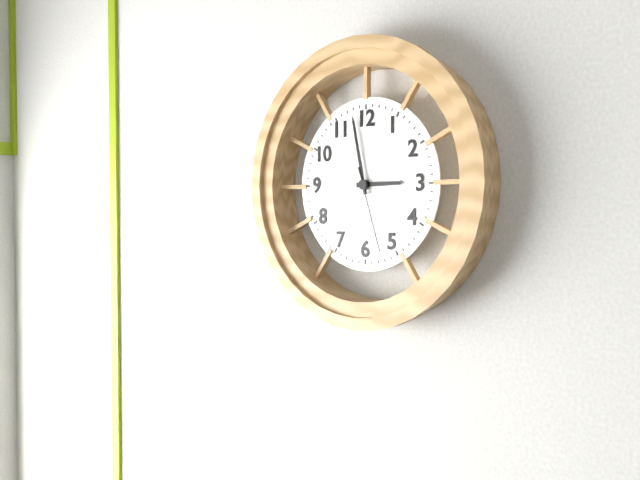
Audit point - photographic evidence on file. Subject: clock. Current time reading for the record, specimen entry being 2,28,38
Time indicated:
2,58,27
